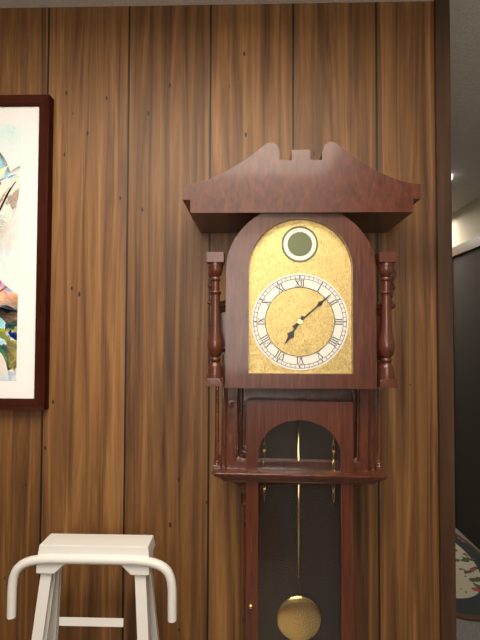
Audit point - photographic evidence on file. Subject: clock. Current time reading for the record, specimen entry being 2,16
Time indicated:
7,08
